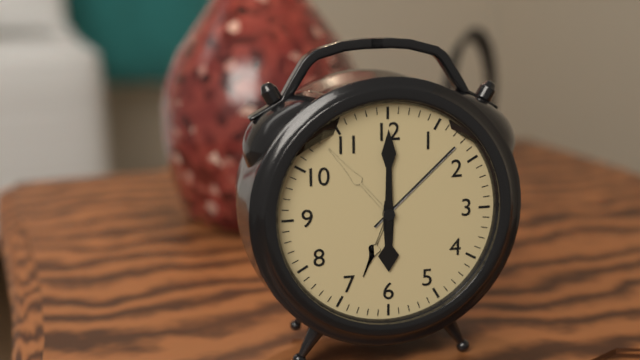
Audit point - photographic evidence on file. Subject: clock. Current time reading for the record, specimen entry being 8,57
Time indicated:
6,00
